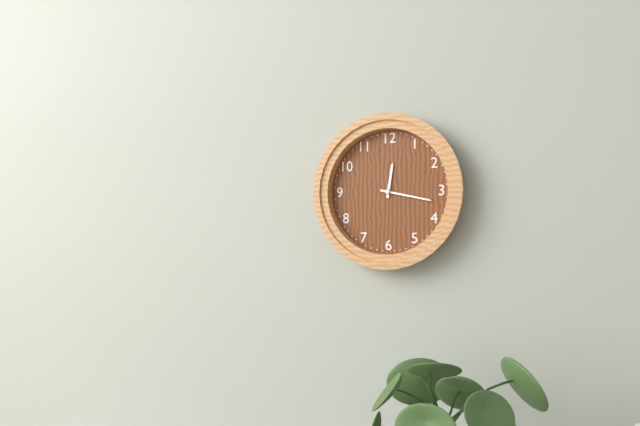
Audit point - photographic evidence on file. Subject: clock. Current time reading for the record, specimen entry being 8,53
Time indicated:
12,17
